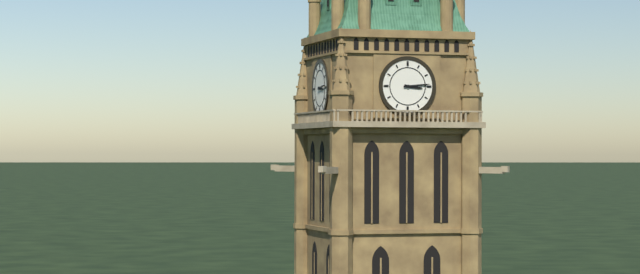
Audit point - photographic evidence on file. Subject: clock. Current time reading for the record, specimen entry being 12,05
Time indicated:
3,14
